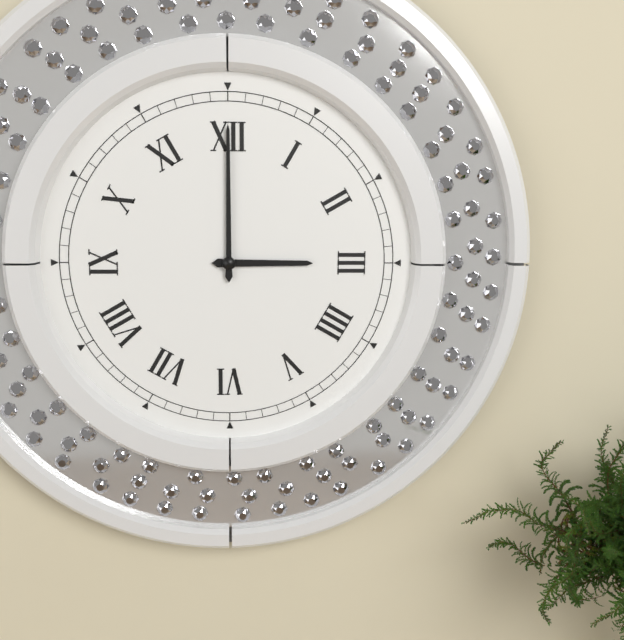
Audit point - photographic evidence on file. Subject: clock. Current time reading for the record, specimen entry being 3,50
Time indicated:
3,00
